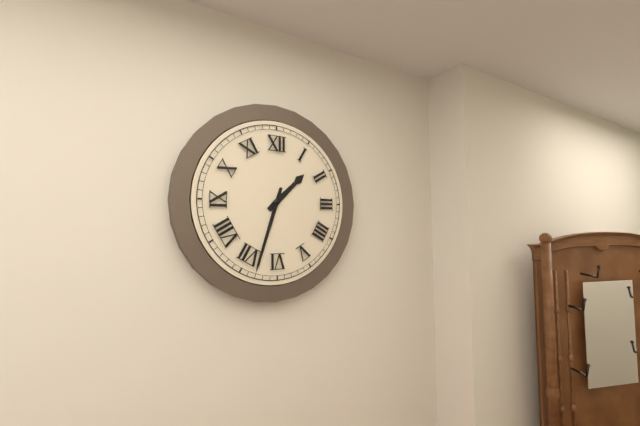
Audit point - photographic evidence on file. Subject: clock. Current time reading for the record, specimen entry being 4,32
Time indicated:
1,33
